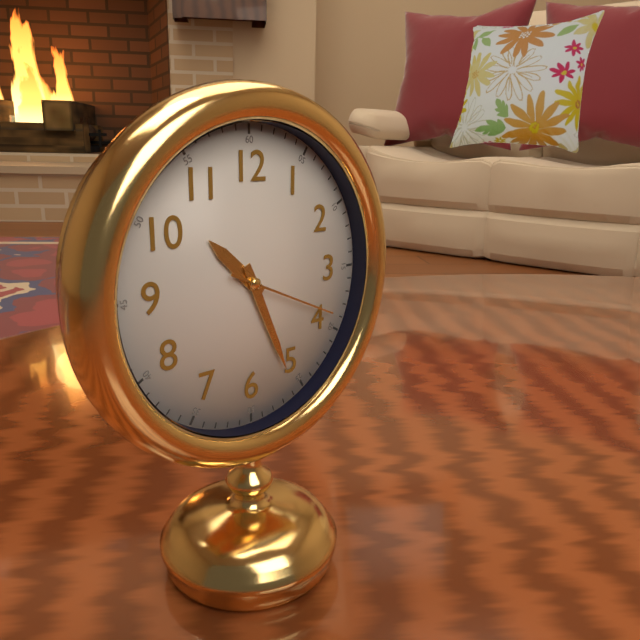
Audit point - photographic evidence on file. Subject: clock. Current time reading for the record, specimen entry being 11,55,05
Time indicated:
10,26,19
